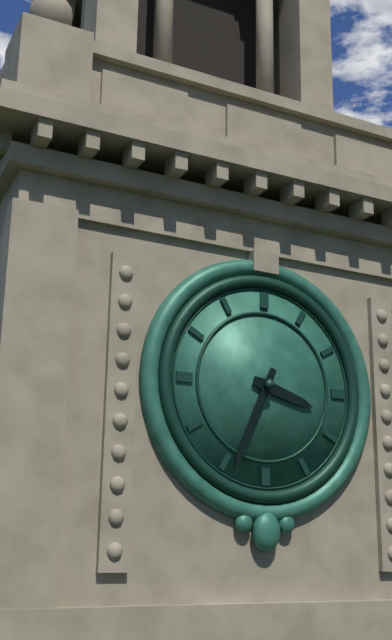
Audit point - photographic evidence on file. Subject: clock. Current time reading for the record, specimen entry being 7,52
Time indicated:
3,34
